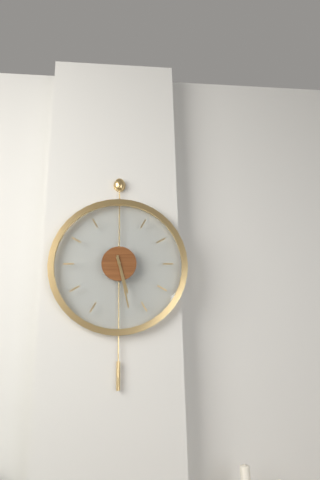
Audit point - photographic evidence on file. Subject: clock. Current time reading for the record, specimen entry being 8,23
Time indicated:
5,28
